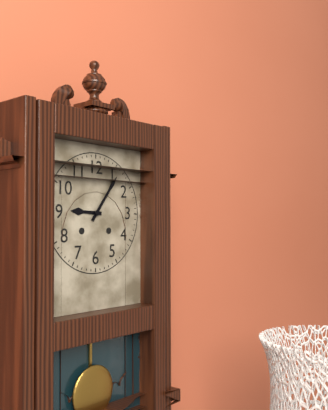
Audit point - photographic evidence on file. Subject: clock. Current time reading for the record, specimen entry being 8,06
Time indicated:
9,06
